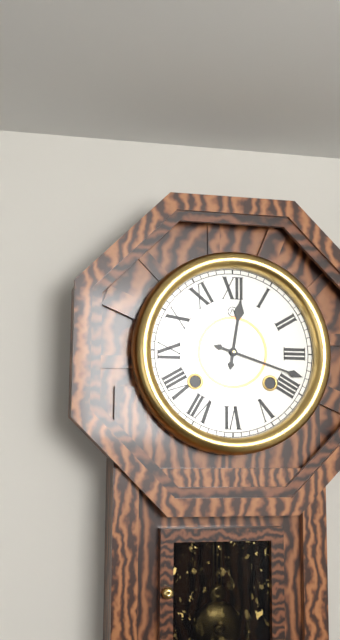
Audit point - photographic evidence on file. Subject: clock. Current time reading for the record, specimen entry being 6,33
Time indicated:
12,18
